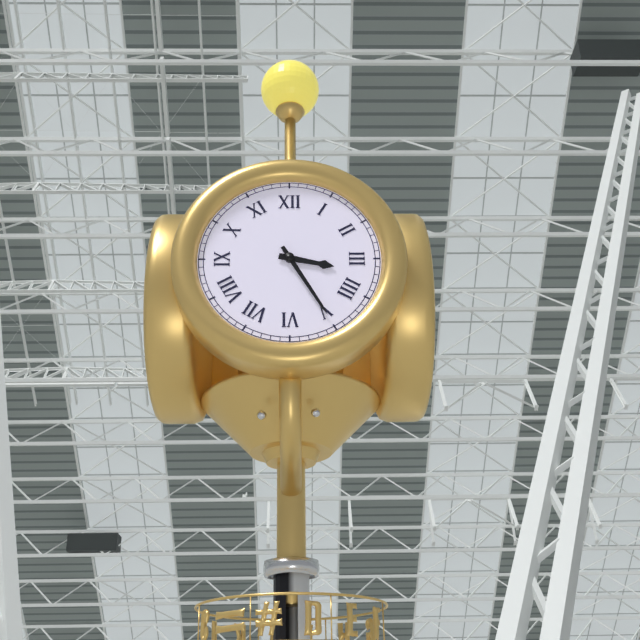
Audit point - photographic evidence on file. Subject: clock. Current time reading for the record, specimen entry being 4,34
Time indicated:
3,25
